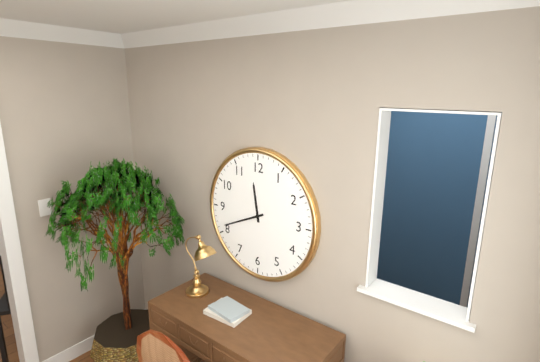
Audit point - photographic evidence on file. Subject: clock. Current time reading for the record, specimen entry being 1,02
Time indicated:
11,41
